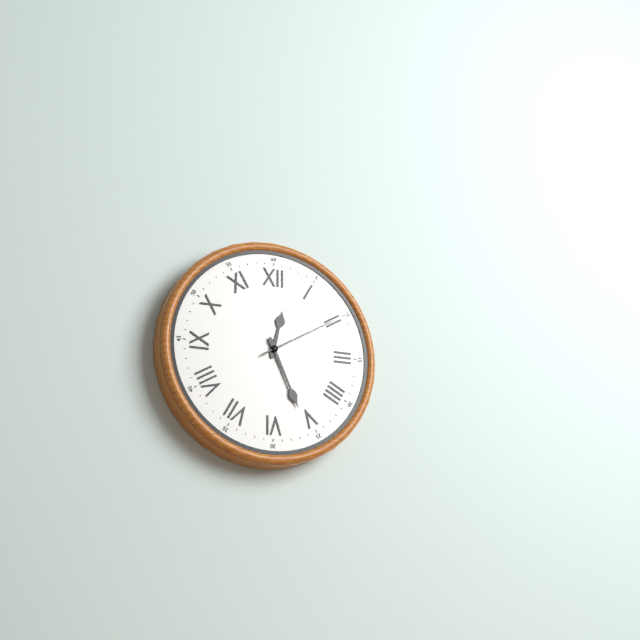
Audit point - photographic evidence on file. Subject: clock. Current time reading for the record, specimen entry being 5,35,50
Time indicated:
12,26,10
